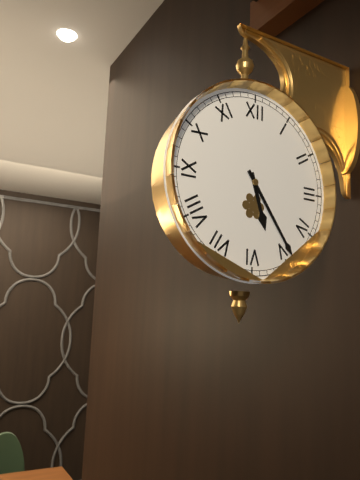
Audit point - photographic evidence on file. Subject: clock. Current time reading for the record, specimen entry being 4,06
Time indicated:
5,24
